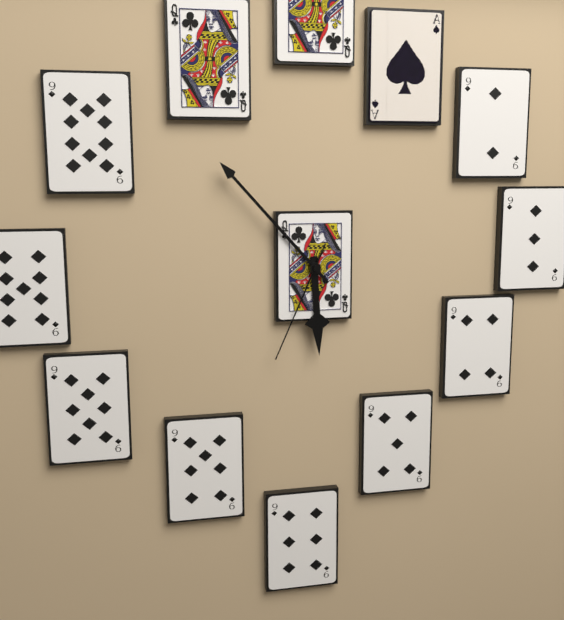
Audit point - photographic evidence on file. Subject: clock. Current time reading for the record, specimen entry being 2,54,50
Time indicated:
5,53,34
